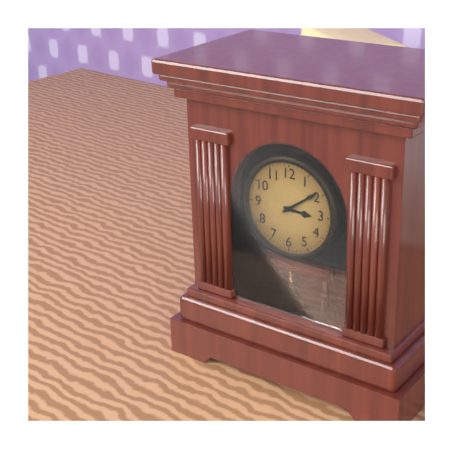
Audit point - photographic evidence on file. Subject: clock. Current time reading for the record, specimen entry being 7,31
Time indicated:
3,09
